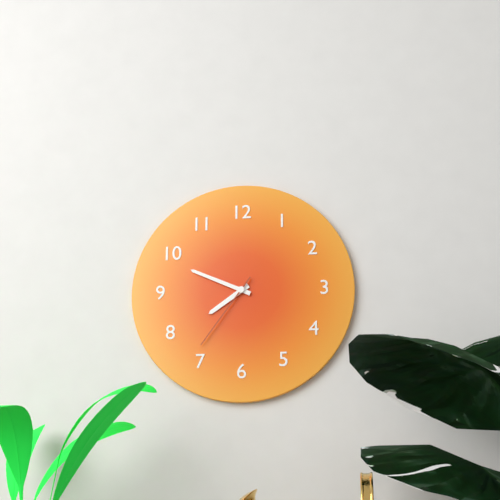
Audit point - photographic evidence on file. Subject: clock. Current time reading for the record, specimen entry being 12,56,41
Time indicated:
7,49,36
